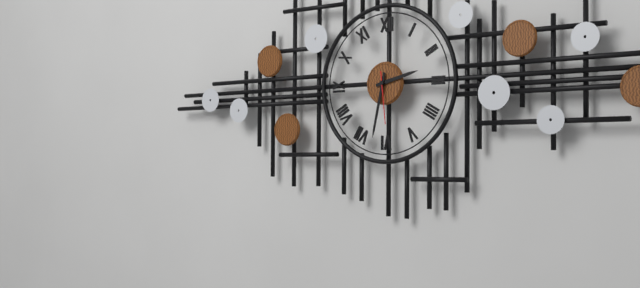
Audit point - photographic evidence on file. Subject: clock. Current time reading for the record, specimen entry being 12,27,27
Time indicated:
2,32,29
